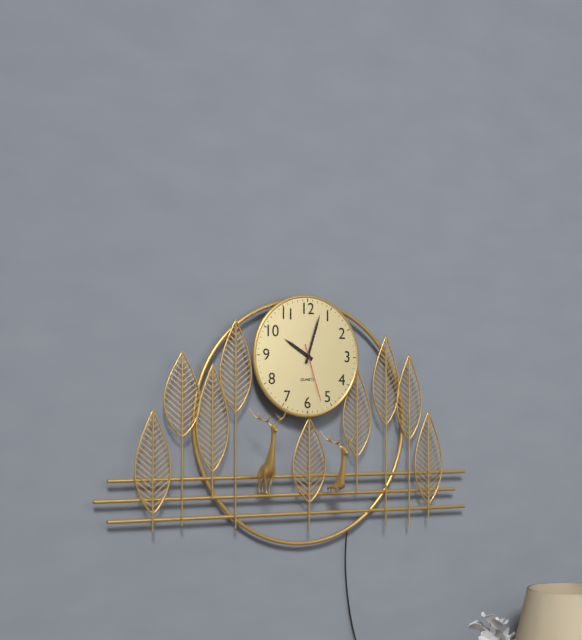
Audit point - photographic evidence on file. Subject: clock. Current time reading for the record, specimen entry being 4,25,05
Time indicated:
10,03,27
